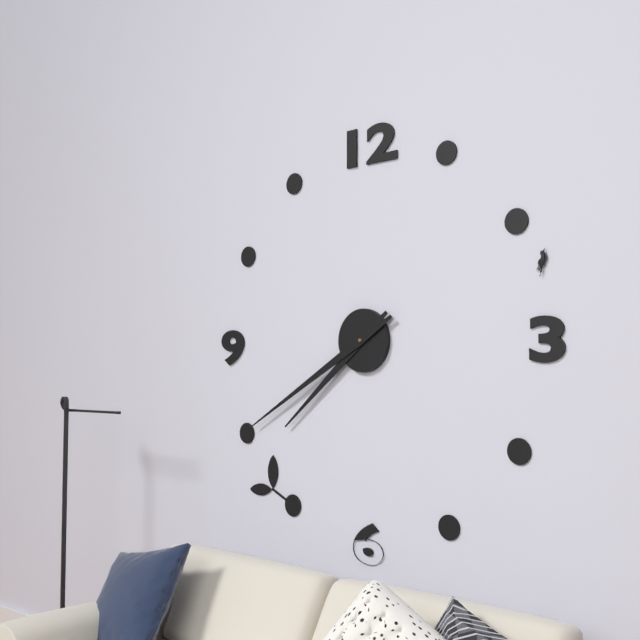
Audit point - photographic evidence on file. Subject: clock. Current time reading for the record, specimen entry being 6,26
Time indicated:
7,40
